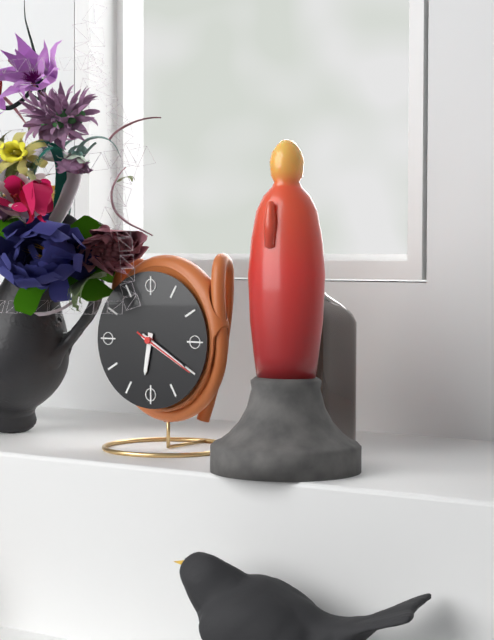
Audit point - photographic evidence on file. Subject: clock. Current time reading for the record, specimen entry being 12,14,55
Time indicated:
6,20,20
